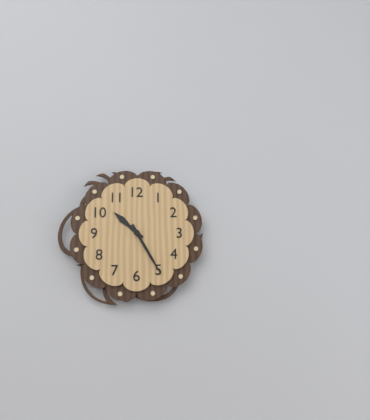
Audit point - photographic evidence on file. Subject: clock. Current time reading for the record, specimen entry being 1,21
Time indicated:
10,25
